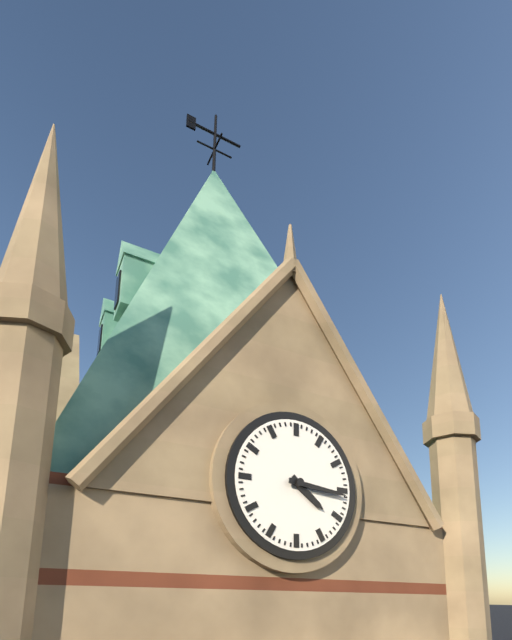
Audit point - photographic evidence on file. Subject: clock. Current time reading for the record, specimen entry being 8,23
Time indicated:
4,16
